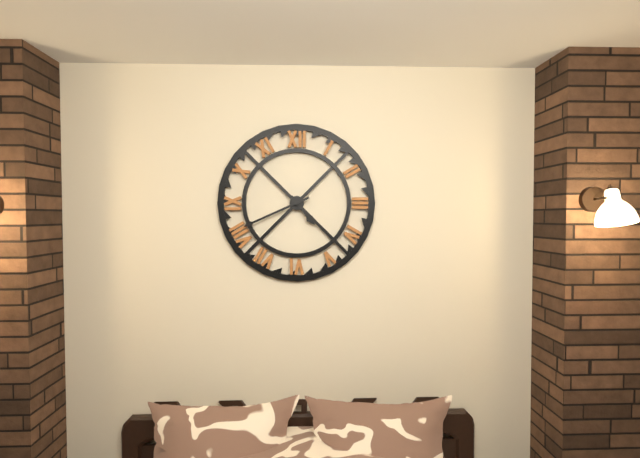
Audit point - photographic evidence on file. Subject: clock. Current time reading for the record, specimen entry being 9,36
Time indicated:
4,41
